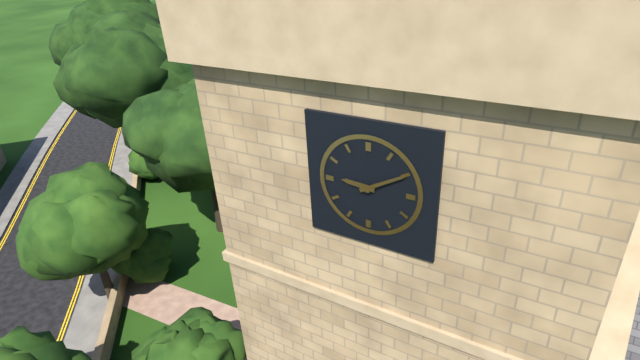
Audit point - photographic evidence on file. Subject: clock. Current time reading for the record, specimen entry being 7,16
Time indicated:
9,10
